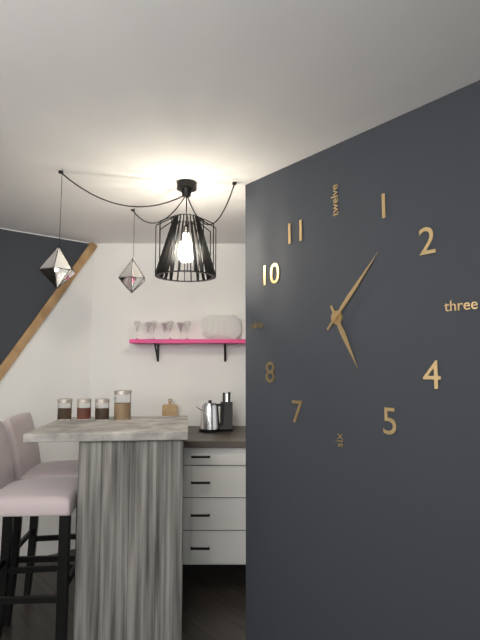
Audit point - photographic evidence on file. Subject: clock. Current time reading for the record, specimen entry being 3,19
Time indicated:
5,07
